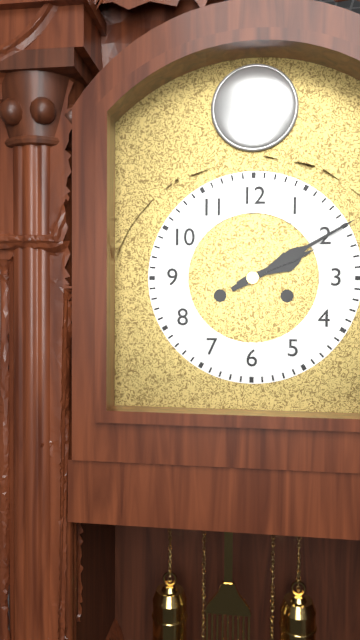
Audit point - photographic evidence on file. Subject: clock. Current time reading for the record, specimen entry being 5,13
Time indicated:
2,10
